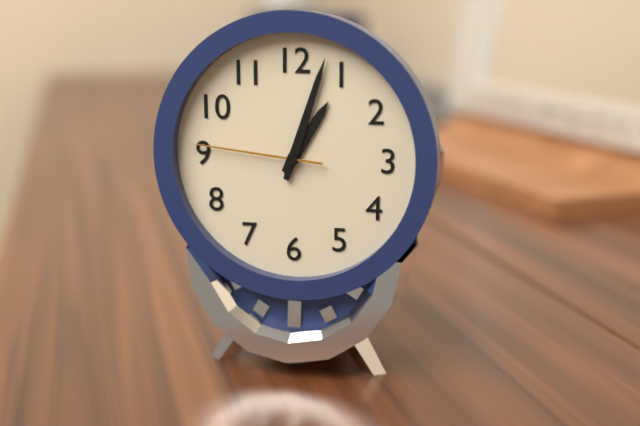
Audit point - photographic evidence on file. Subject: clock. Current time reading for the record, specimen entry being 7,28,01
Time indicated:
1,03,46
